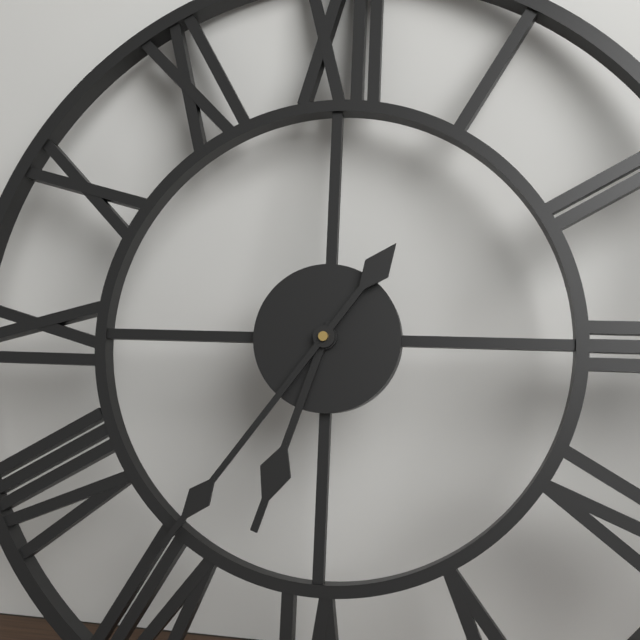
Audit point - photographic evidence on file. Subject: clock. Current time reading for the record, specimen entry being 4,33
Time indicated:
6,36
